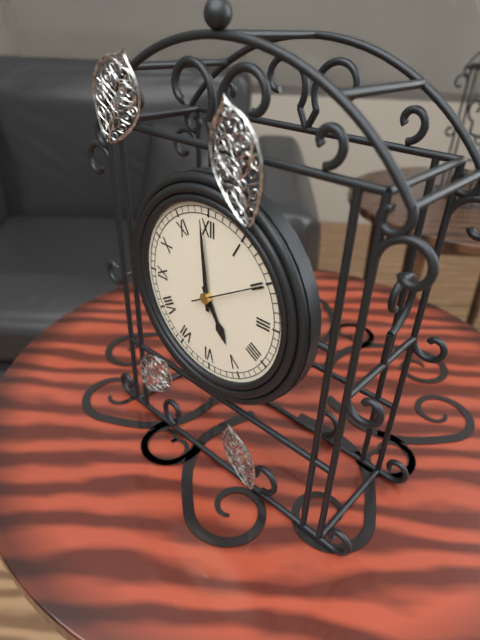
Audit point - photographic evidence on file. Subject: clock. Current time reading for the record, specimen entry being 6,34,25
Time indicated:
4,59,10
